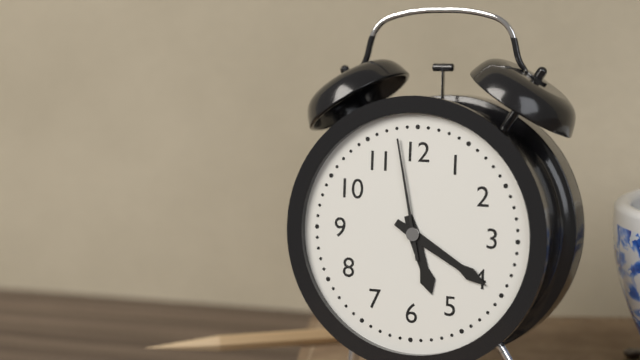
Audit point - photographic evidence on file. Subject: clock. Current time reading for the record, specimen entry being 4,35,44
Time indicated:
5,20,58
